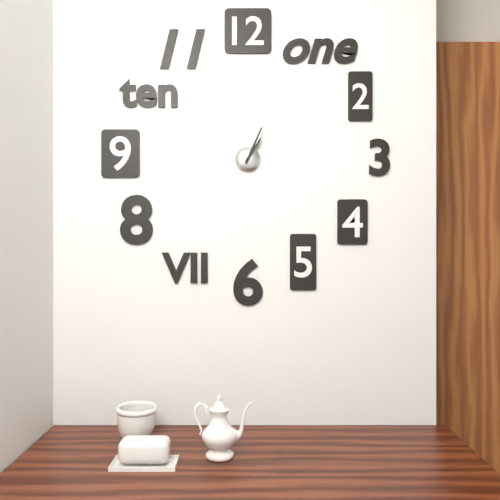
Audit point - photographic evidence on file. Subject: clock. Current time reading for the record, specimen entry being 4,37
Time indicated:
1,04
